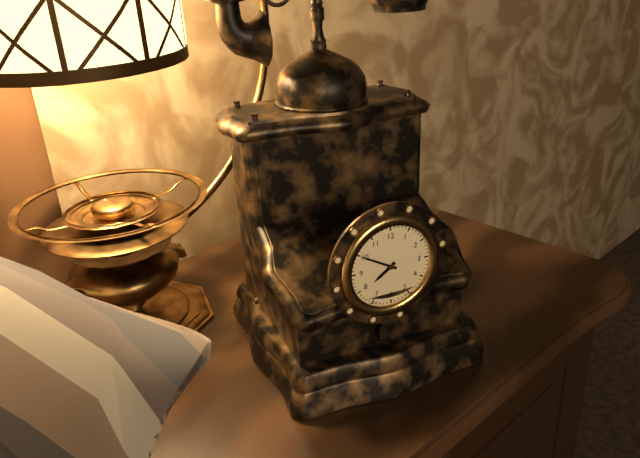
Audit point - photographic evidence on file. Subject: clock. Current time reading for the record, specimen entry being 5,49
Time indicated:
7,50
